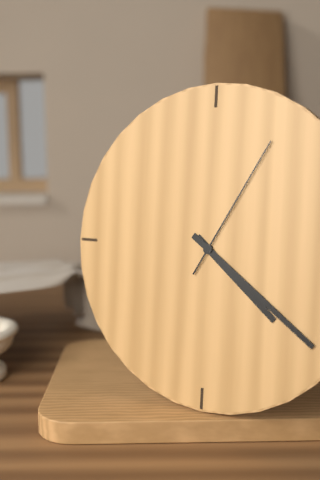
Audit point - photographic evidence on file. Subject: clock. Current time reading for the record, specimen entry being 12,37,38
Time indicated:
4,21,05
